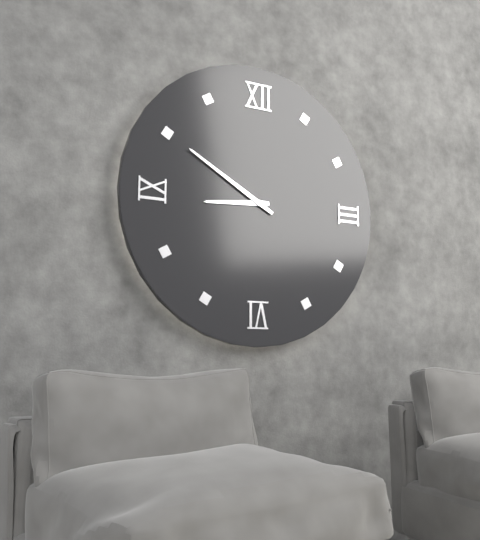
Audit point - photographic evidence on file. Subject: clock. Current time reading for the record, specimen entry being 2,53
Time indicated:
8,50
